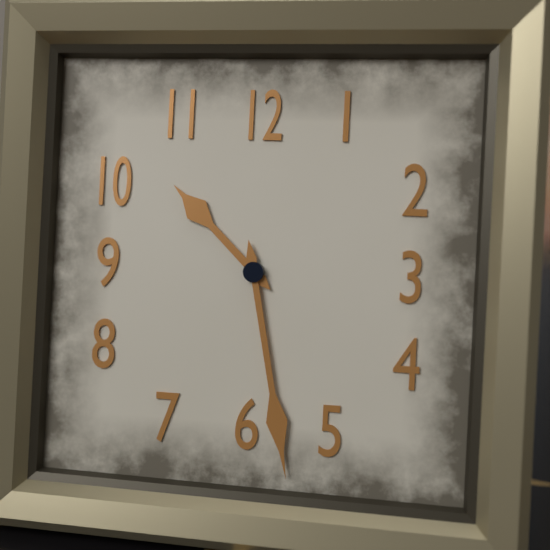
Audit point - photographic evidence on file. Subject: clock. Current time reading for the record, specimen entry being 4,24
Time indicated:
10,28
